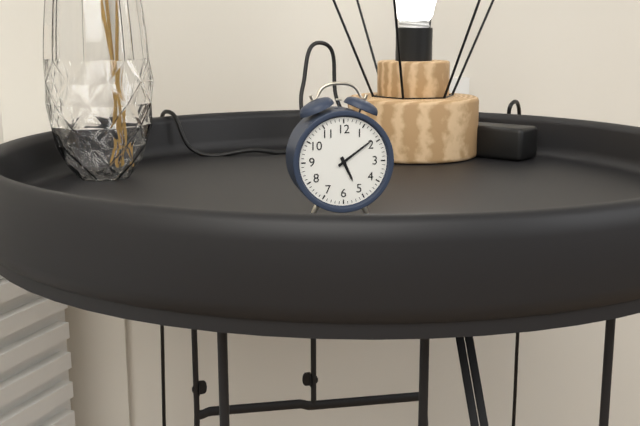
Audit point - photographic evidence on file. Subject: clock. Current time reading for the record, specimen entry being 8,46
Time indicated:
5,09
